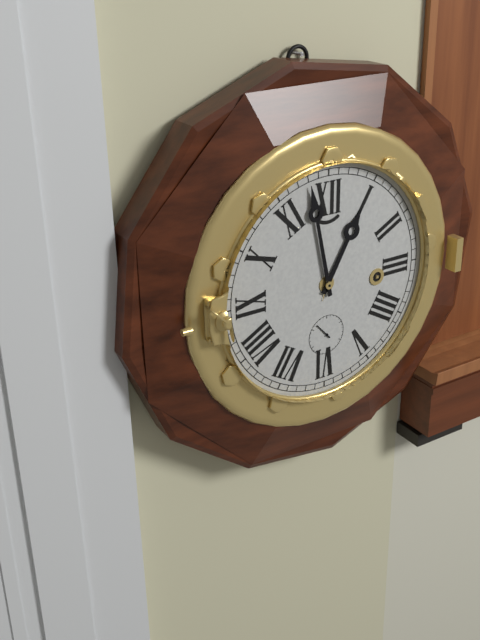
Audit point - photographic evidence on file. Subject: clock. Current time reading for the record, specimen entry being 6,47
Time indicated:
12,58
